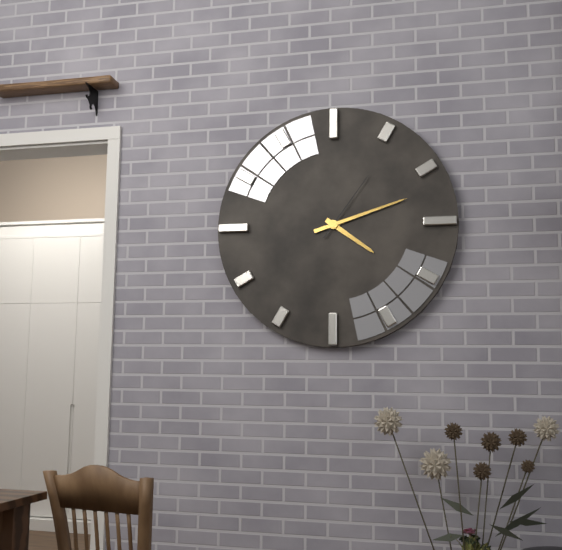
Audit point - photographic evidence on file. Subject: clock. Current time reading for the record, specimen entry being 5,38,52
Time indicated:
4,12,06
